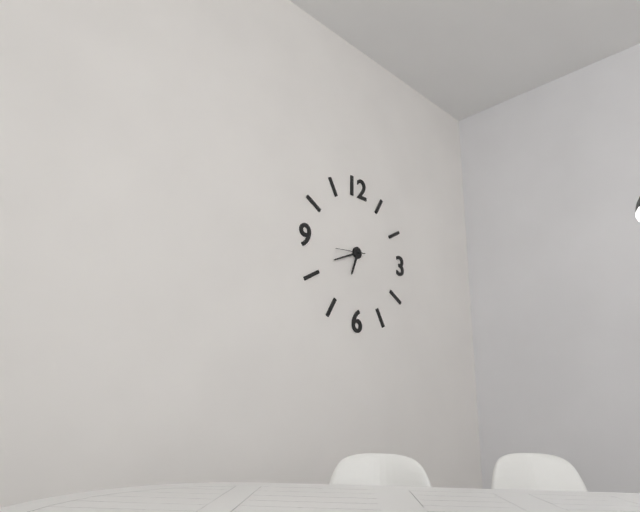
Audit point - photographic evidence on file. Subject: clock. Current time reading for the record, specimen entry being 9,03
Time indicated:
6,41
